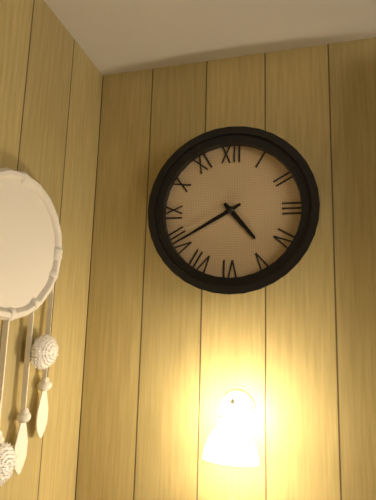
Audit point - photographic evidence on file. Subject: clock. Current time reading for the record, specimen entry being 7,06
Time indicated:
4,40
